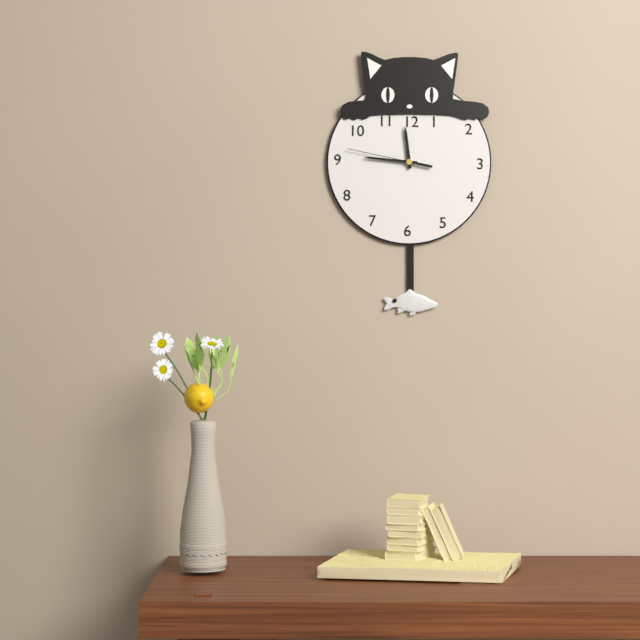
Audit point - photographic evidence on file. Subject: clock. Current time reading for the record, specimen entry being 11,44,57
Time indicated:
11,46,47
